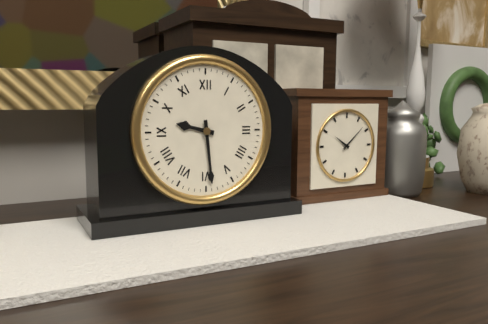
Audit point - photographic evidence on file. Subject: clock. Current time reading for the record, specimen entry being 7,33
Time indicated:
9,29
